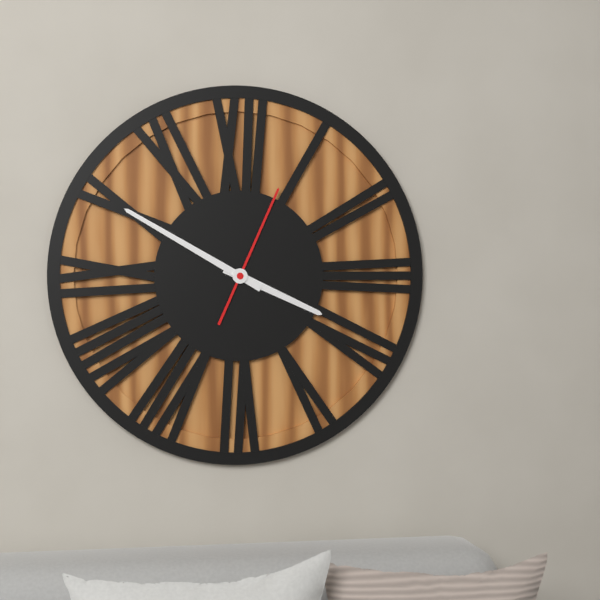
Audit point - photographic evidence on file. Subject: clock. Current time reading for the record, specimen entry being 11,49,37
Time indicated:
3,50,04
